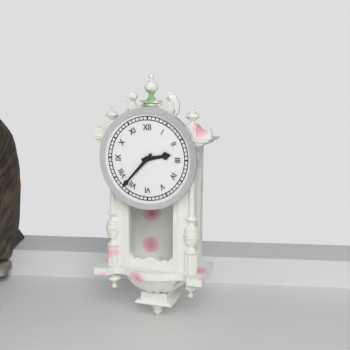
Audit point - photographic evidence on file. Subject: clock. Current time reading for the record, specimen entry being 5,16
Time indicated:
2,37
